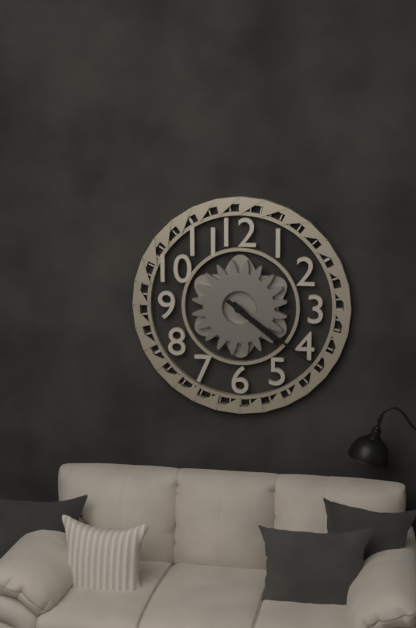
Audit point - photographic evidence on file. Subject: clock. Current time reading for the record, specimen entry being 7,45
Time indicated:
4,21
